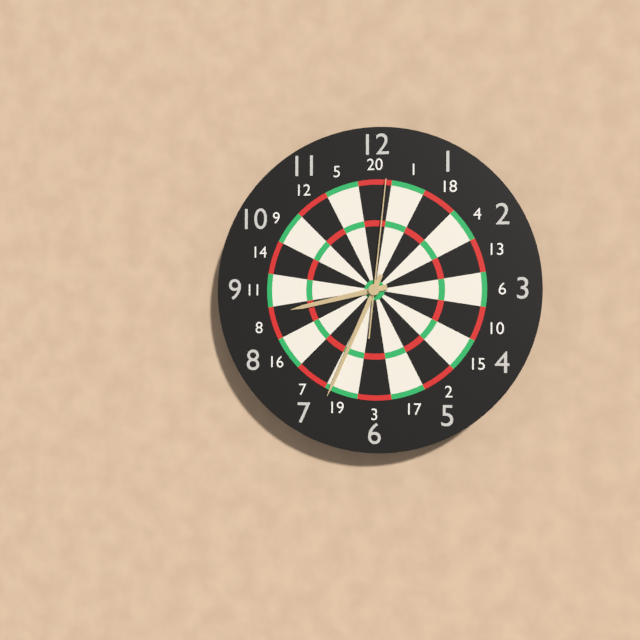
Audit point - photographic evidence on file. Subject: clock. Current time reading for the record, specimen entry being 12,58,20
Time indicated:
8,34,01
